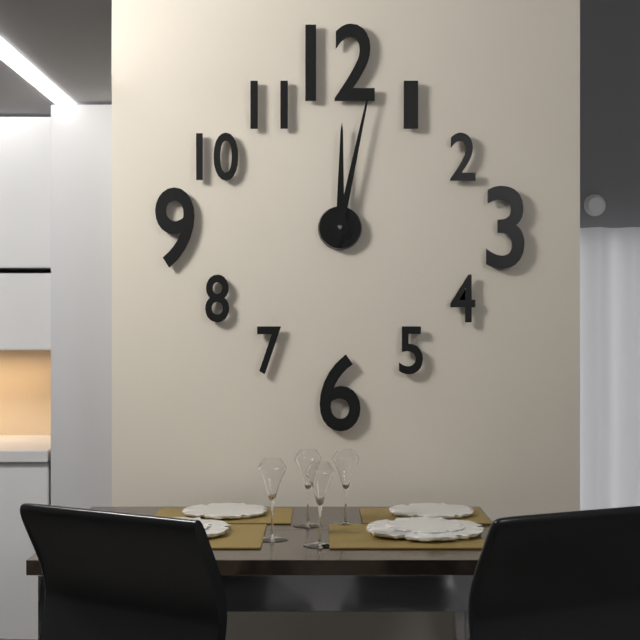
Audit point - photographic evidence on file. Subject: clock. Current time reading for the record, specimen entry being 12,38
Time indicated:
12,02
